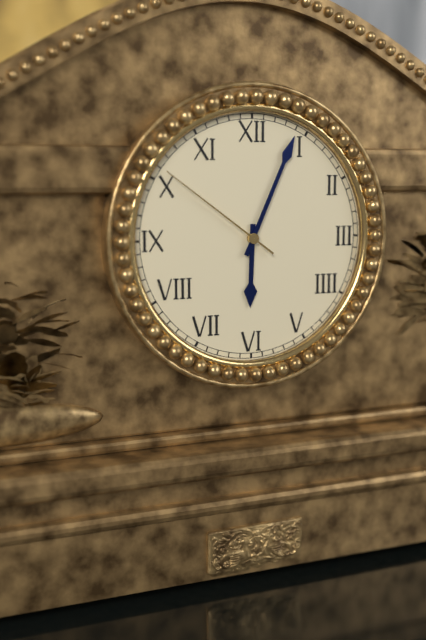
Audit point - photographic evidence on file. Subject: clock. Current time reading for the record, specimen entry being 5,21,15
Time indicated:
6,04,51
